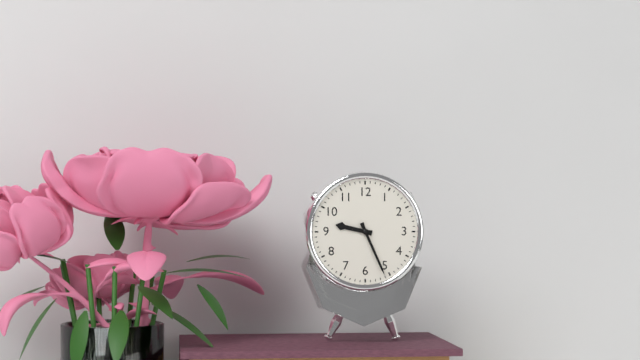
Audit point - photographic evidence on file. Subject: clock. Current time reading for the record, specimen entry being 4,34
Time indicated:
9,26
